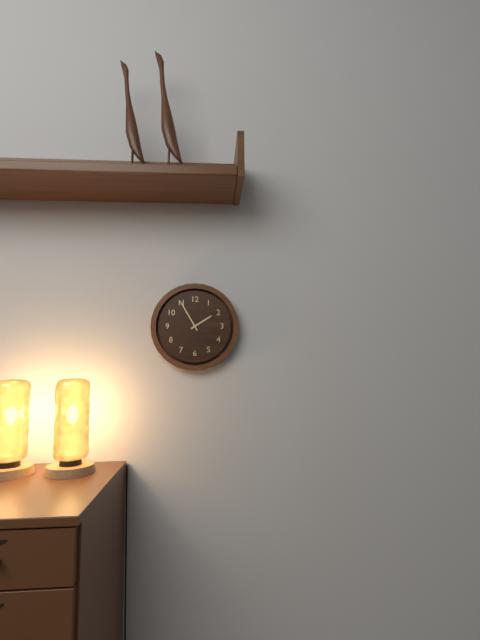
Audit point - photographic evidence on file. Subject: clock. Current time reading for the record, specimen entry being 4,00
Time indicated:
1,55
